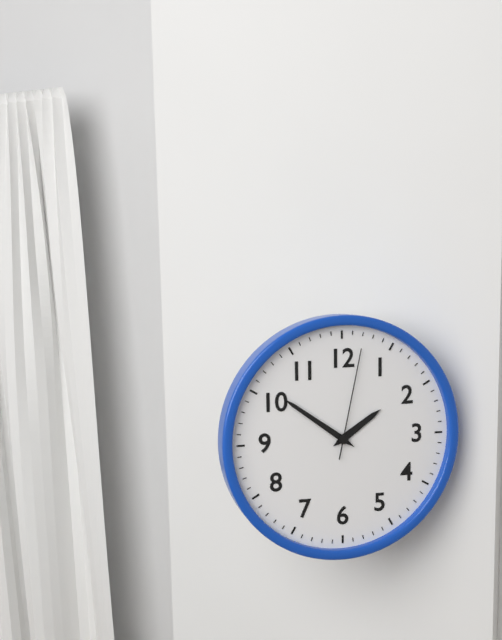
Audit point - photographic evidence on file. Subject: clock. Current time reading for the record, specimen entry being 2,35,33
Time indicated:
1,51,02
